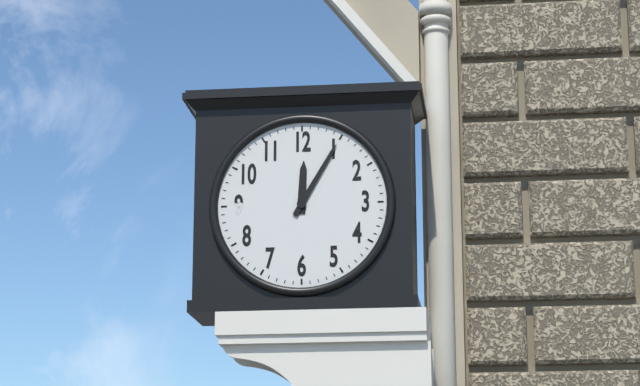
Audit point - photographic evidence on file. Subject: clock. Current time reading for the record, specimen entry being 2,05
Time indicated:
12,05
